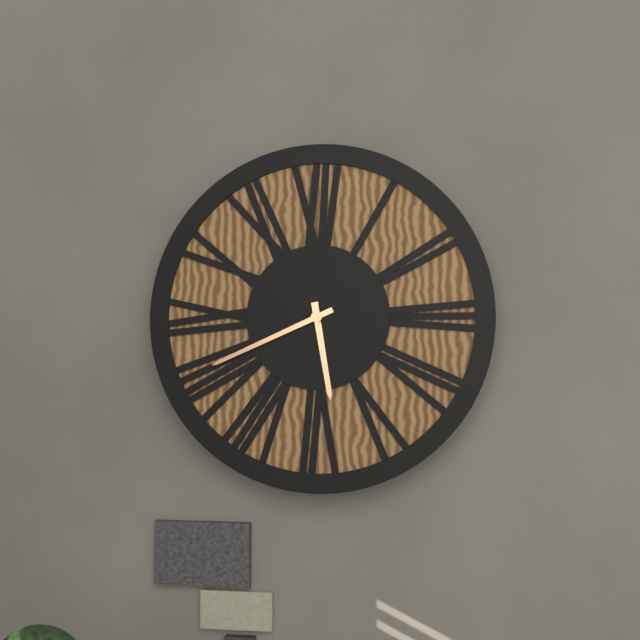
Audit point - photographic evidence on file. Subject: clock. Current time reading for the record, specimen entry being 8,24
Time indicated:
5,41
